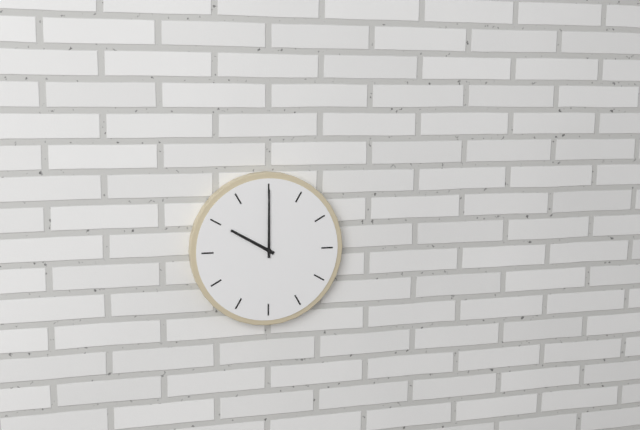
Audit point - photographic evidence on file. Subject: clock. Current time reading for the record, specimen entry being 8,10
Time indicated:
10,00
